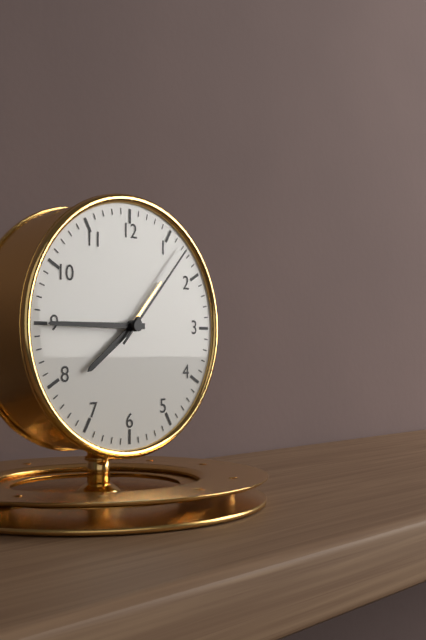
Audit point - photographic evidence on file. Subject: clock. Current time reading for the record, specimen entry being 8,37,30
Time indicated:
7,45,07
